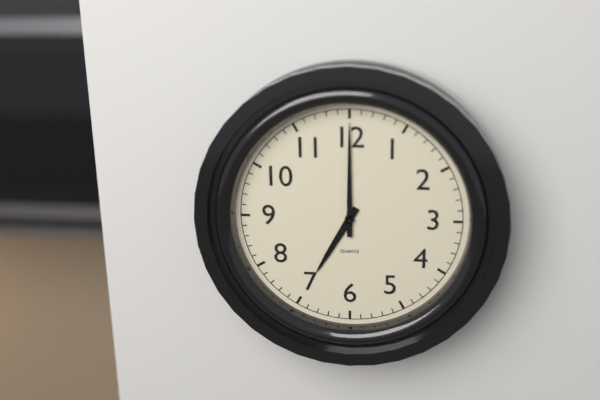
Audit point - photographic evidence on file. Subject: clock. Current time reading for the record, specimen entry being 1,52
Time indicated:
7,00
